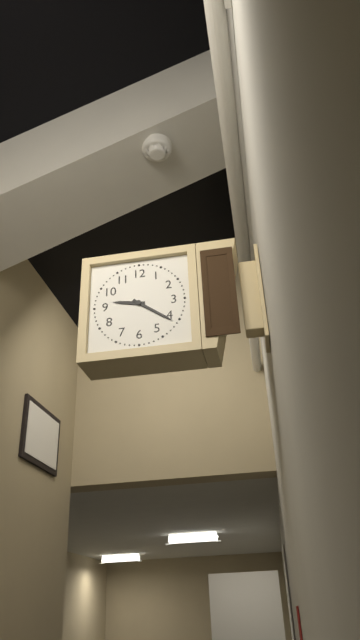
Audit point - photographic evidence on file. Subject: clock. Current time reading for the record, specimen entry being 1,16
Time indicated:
9,21
